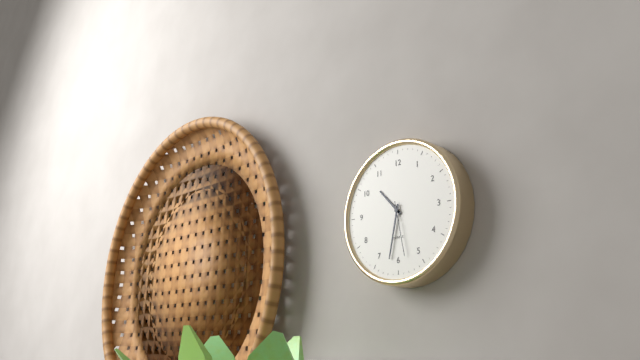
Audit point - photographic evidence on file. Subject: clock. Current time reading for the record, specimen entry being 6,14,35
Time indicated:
10,32,28
